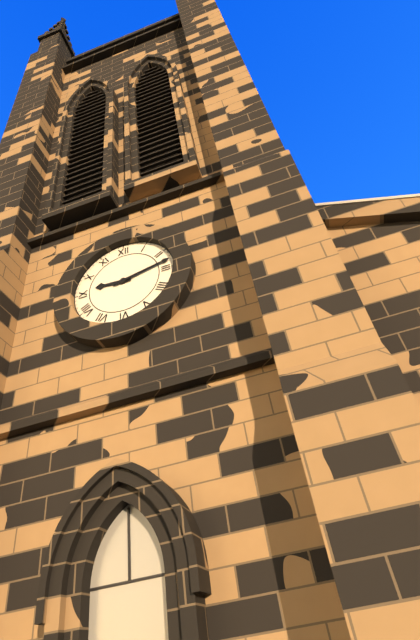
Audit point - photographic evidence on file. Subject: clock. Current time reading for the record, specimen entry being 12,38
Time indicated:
9,13
